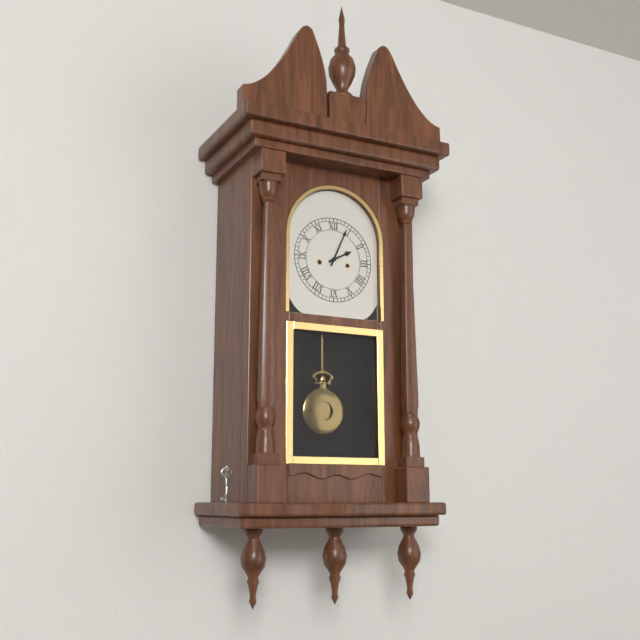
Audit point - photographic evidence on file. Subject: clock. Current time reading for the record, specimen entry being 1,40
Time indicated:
2,04
